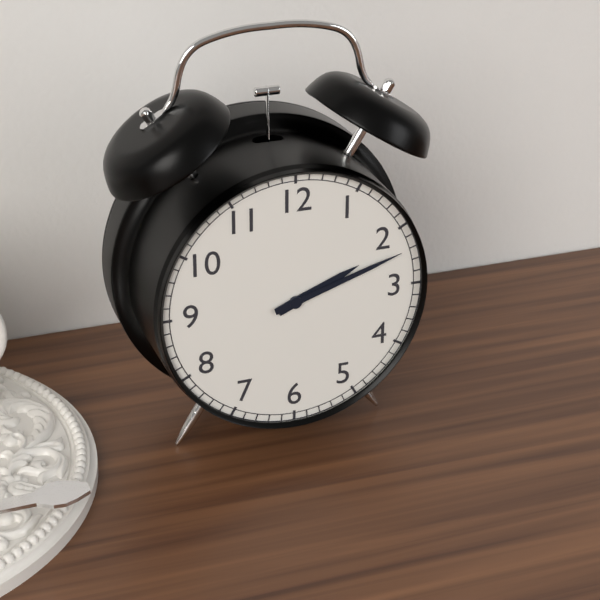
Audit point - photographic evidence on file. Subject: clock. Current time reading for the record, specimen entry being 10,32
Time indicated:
2,12
